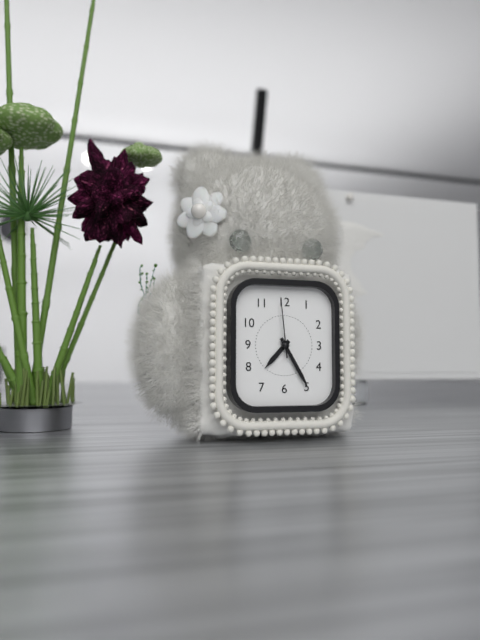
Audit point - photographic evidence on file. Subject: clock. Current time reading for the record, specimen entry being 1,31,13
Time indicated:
7,25,59
